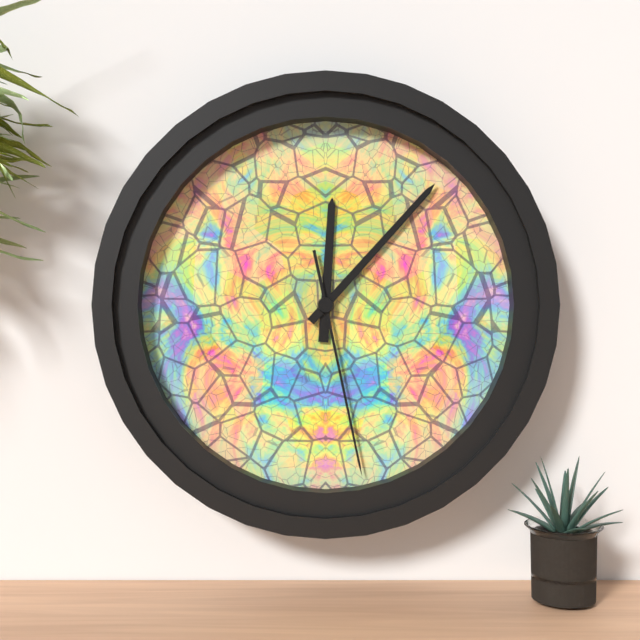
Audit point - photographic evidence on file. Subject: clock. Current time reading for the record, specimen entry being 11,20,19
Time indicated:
12,07,28
